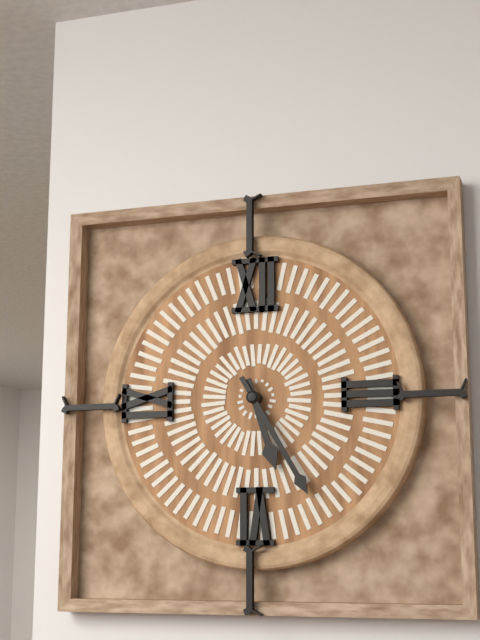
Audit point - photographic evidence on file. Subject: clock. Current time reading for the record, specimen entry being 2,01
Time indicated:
5,25
